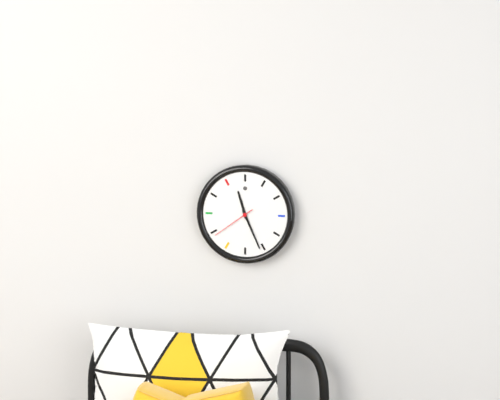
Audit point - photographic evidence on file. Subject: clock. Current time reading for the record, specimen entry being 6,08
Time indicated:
11,26
